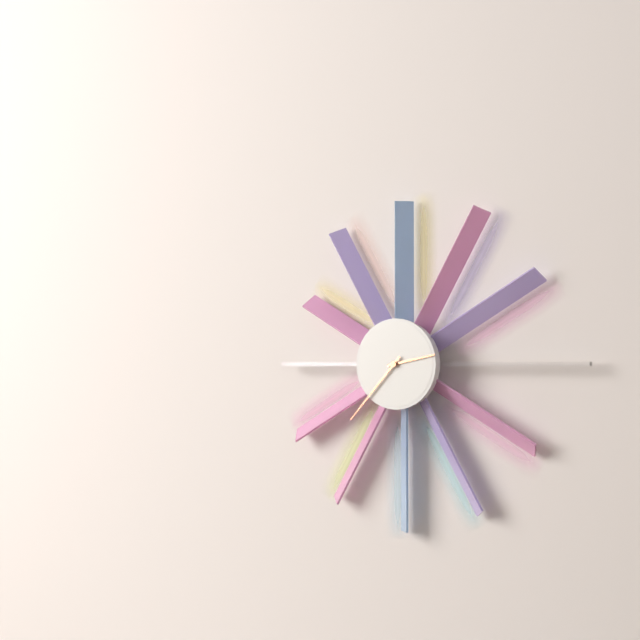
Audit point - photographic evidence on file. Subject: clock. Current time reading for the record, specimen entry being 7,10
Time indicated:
2,37
